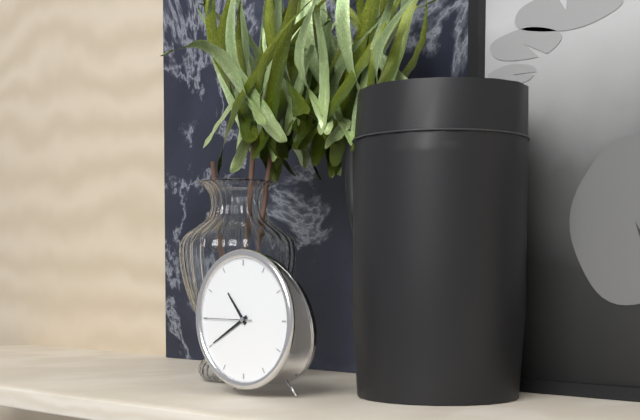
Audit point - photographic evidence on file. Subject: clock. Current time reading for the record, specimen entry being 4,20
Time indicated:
10,40
